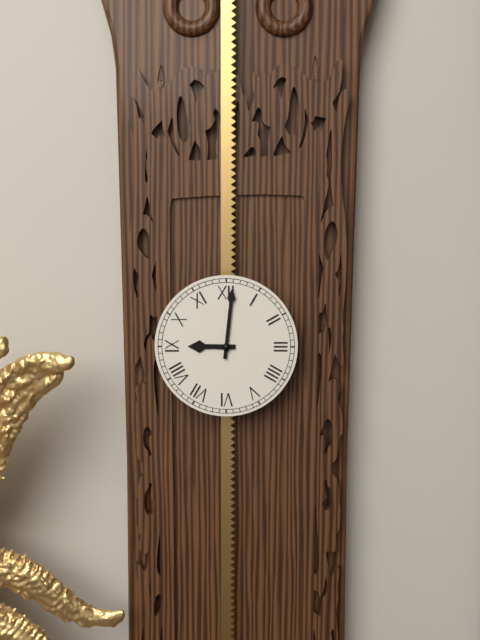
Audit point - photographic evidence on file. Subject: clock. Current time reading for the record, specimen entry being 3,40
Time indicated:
9,01
